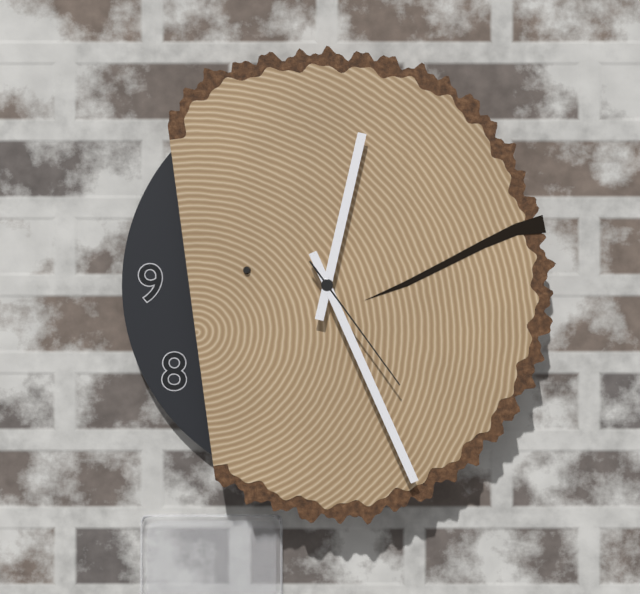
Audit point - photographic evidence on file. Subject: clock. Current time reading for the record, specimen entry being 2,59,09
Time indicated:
12,26,24
